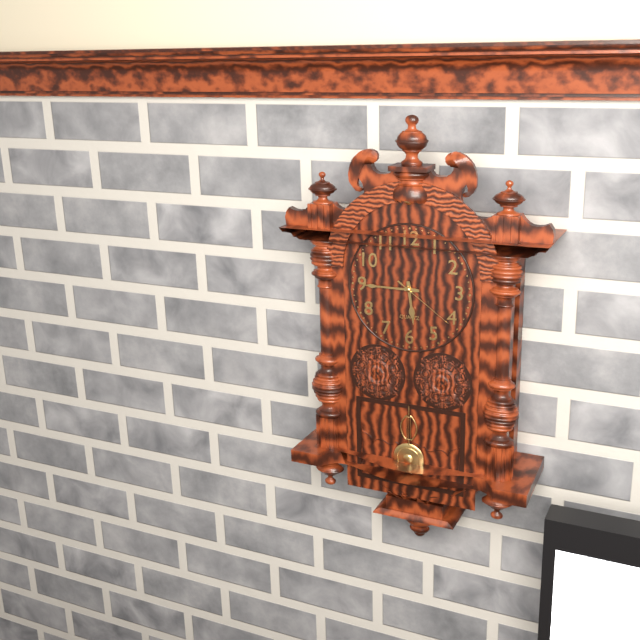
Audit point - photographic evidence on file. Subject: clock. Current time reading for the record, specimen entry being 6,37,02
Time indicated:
5,45,21
